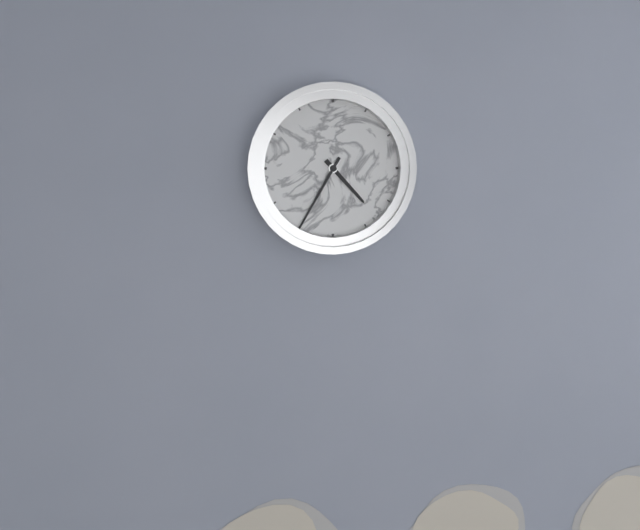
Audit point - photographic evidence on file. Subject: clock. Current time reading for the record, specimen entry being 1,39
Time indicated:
4,35
